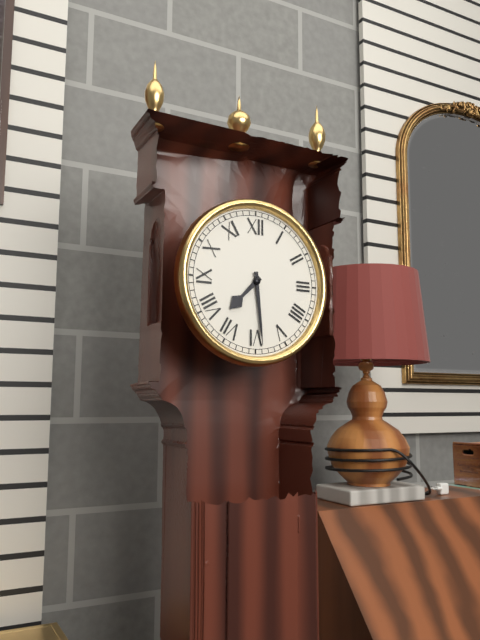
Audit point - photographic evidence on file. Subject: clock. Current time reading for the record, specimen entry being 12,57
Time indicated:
7,29
